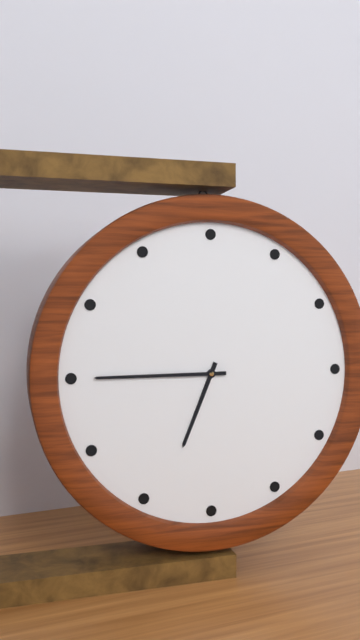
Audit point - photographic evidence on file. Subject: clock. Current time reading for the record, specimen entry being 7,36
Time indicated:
6,45
